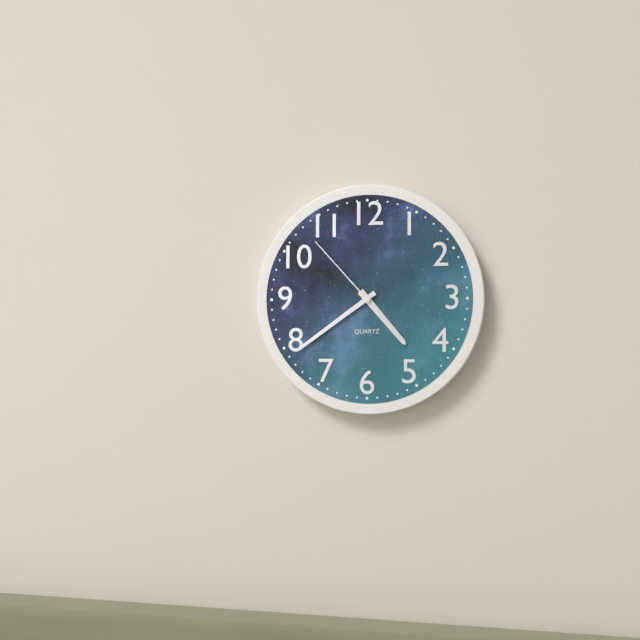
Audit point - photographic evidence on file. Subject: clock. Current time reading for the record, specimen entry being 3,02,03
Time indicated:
4,39,53
